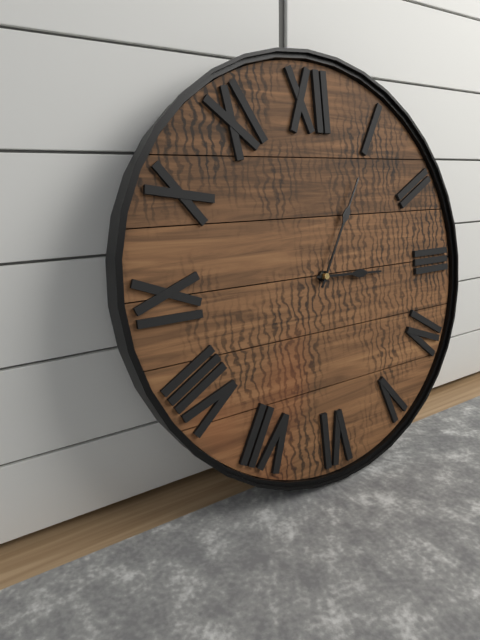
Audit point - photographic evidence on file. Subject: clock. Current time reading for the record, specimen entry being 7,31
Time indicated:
3,05
